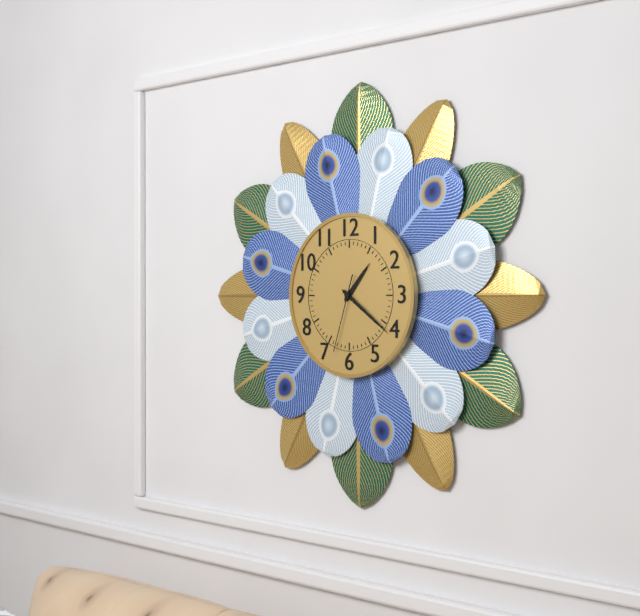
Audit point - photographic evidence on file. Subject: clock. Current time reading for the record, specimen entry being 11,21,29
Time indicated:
1,21,33
